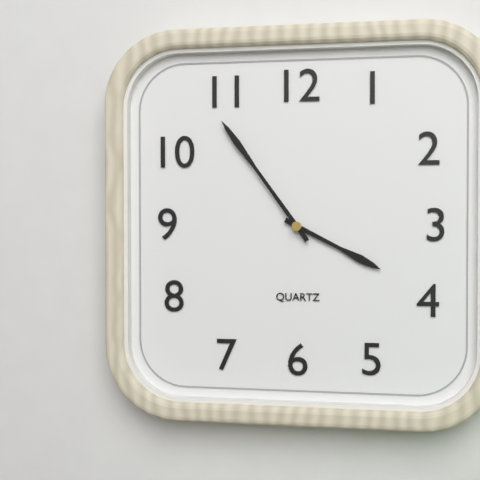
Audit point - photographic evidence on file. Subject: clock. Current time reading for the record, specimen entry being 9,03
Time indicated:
3,54
